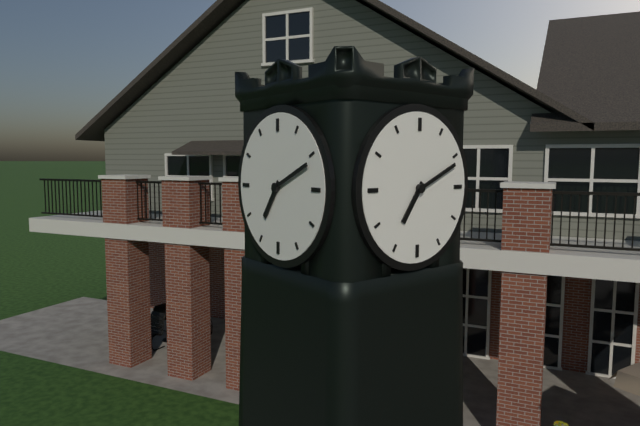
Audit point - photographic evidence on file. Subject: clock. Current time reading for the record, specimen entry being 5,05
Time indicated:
7,11
